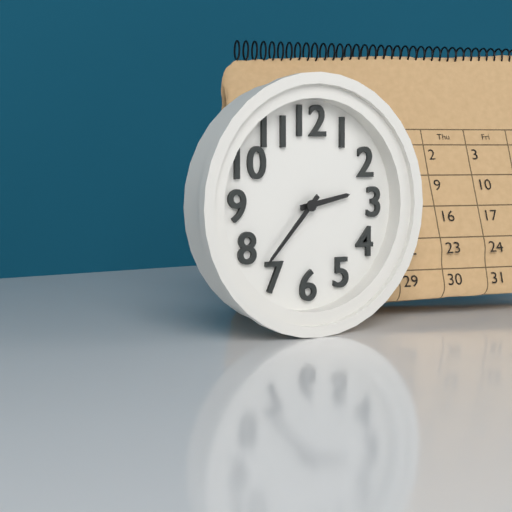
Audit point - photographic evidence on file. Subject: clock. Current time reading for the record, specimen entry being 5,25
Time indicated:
2,37
